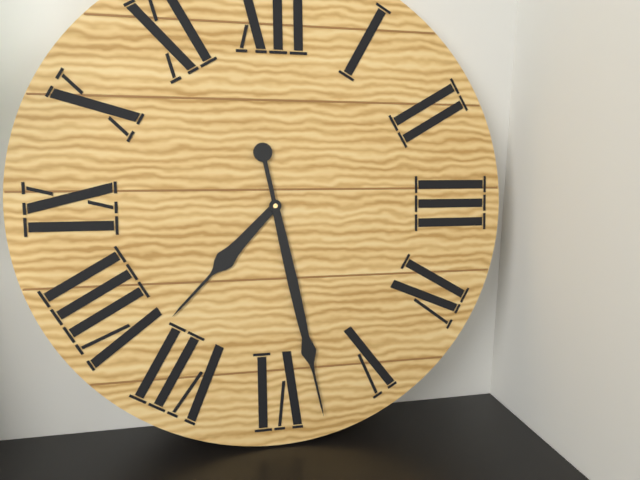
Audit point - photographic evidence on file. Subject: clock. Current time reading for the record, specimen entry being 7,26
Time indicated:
7,28
